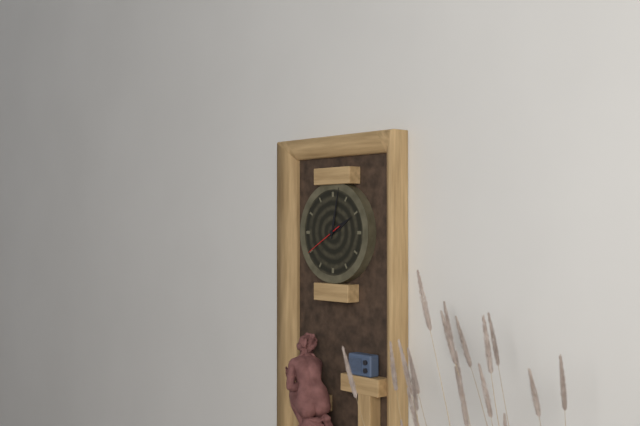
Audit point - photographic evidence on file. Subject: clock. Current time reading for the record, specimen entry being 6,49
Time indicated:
2,02
